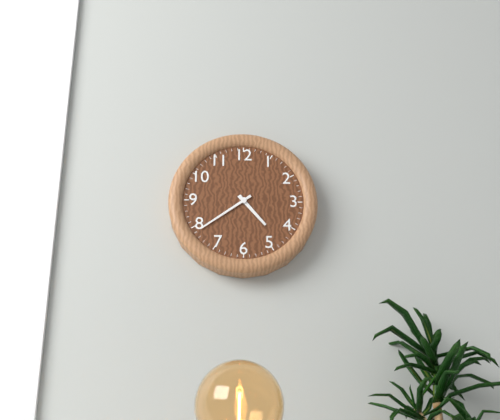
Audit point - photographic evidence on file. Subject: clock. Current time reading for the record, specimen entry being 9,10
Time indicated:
4,39
